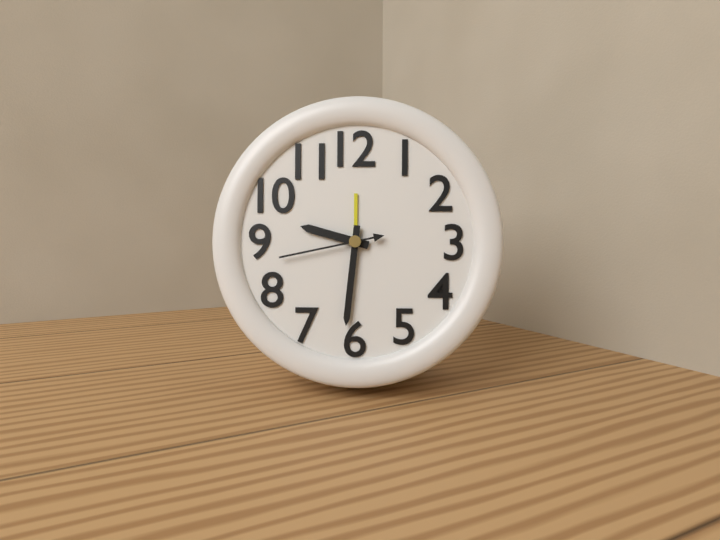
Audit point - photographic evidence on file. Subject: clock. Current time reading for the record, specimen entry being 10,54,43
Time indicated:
9,31,43
